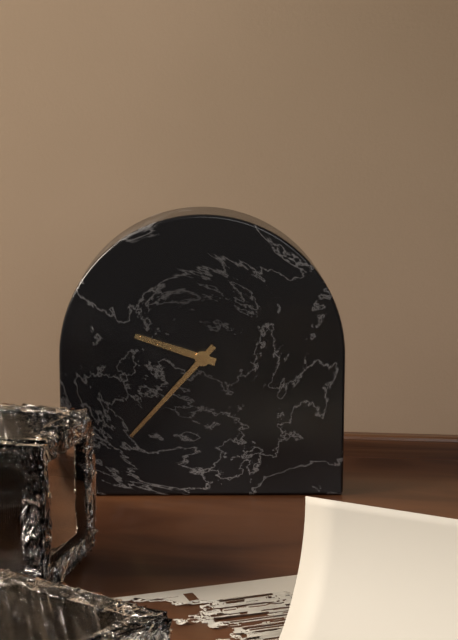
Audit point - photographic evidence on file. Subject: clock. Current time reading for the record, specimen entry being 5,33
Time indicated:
9,37
